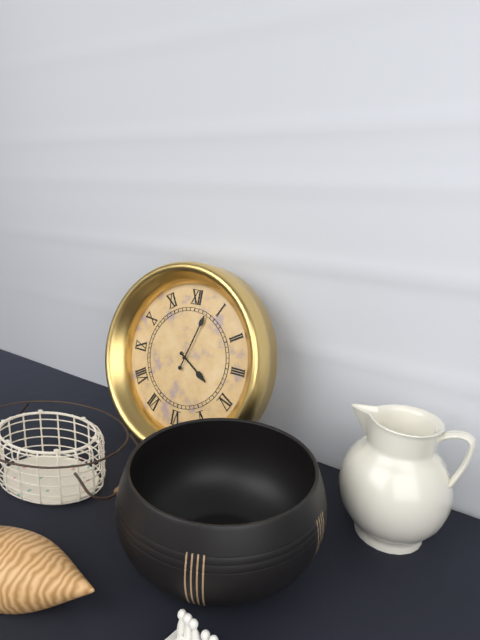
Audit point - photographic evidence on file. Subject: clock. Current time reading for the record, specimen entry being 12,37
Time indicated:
4,03
